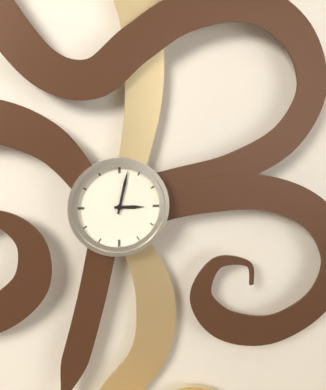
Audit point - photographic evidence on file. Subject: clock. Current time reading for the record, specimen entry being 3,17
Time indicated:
3,02
